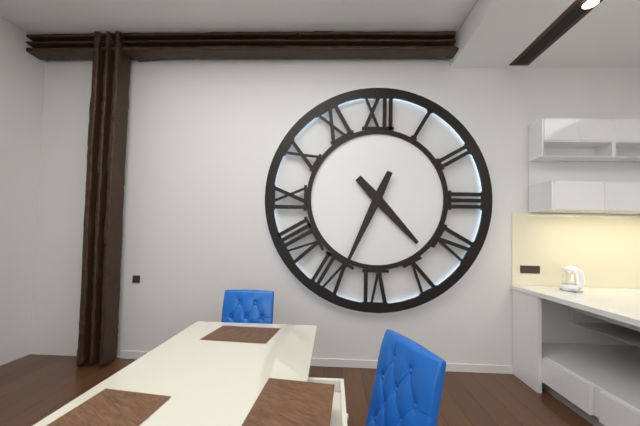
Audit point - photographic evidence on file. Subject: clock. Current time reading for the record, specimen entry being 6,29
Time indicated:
4,34
